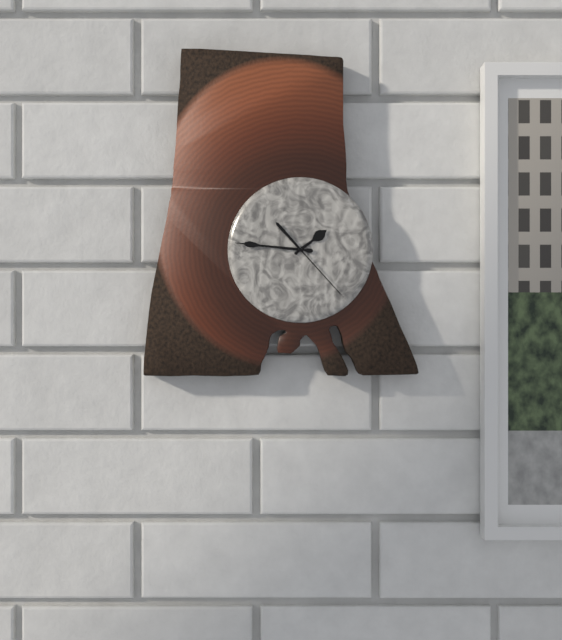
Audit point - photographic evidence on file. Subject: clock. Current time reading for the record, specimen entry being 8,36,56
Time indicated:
1,46,23
